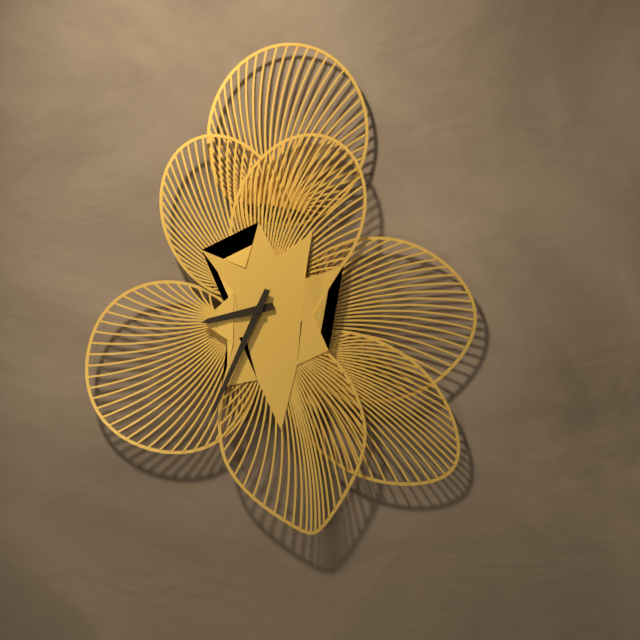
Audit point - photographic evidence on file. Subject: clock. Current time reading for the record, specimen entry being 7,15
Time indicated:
8,34
